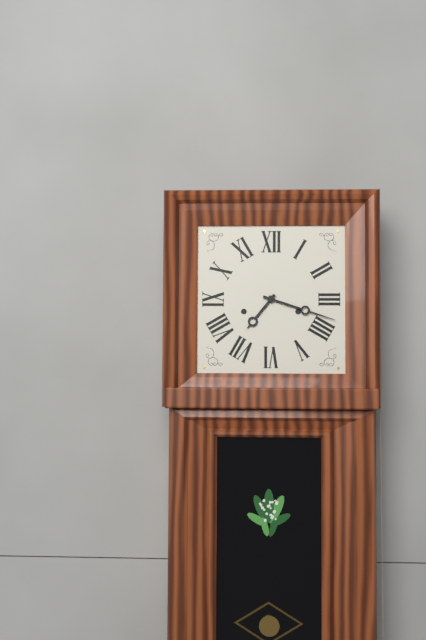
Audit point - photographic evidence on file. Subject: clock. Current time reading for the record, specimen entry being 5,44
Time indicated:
7,18
